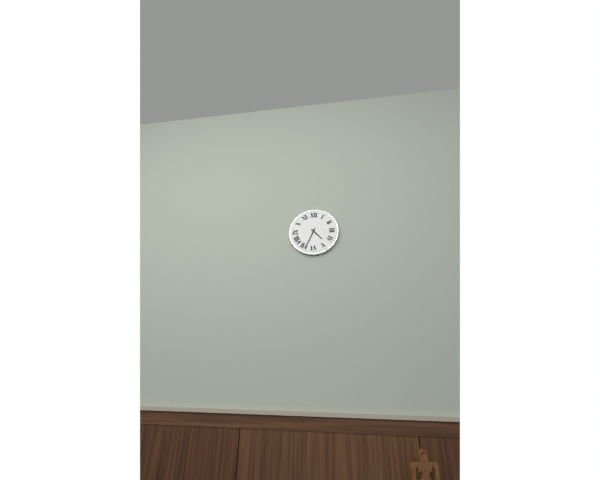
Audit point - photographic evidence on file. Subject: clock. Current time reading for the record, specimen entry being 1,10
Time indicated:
4,34
